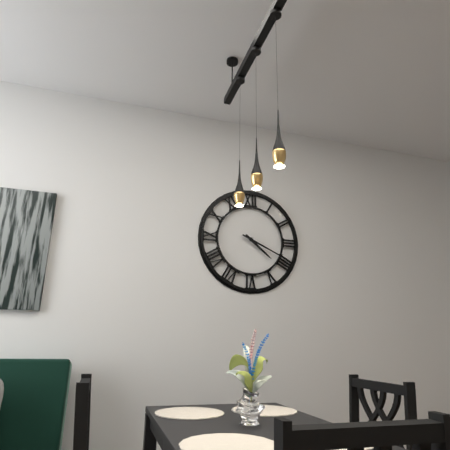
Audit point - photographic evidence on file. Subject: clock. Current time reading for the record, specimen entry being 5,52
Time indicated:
4,19
